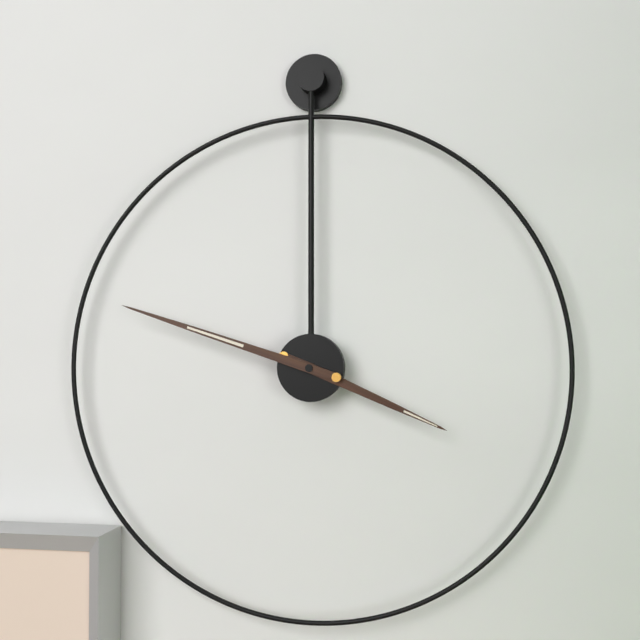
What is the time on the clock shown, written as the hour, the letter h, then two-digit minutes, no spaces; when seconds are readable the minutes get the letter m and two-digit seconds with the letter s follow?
3h48
